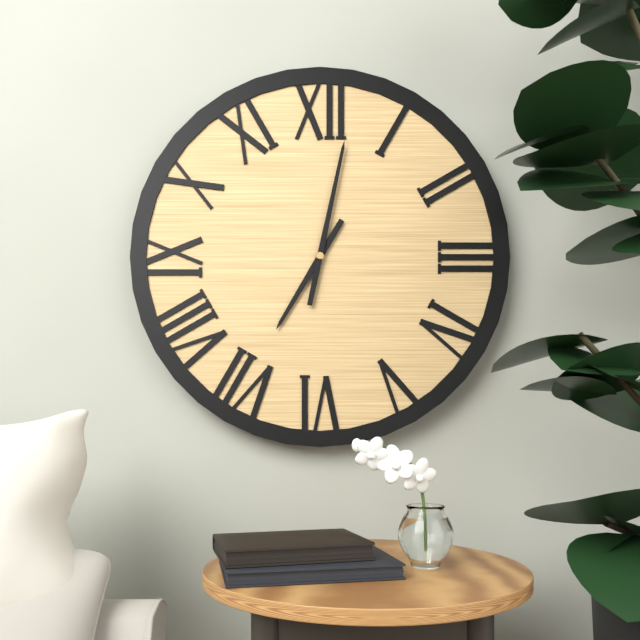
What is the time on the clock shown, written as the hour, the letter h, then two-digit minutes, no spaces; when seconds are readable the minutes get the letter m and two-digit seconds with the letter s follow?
7h02
